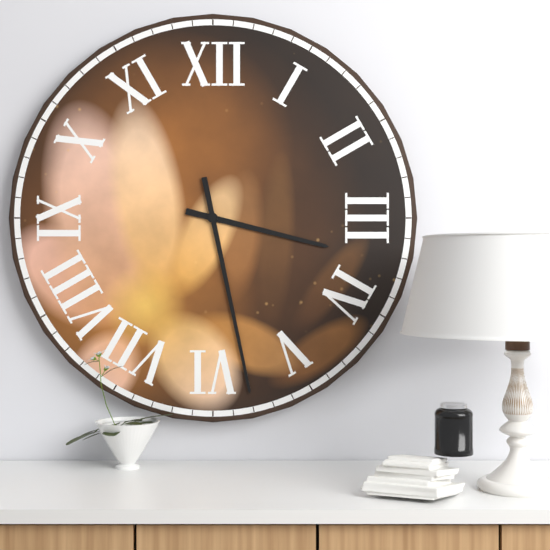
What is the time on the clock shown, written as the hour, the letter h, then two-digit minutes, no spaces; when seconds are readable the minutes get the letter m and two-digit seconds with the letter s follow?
3h28
